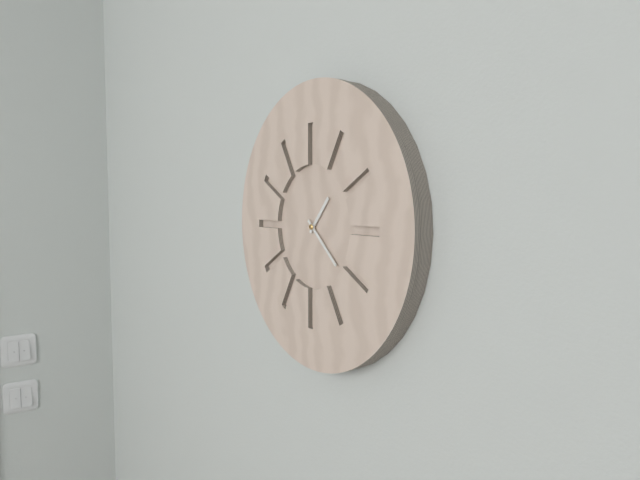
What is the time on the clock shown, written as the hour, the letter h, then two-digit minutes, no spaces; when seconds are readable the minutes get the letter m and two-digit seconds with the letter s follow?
1h22
